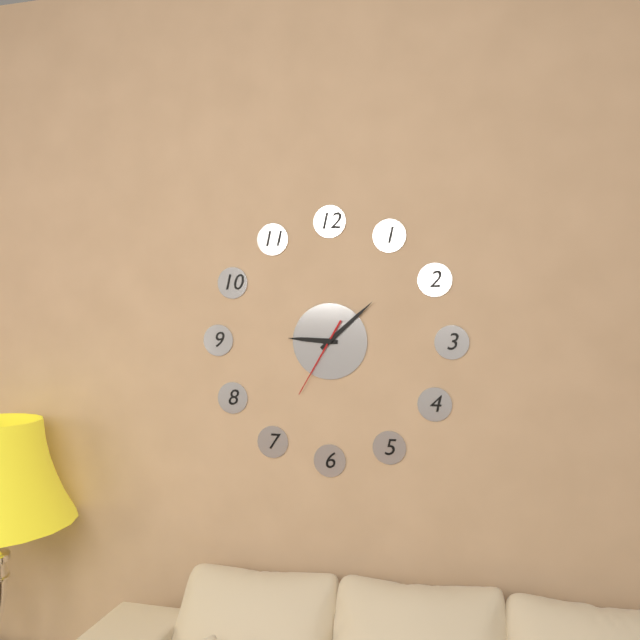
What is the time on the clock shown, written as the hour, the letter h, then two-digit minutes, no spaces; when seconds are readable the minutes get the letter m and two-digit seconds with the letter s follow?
9h08m35s
